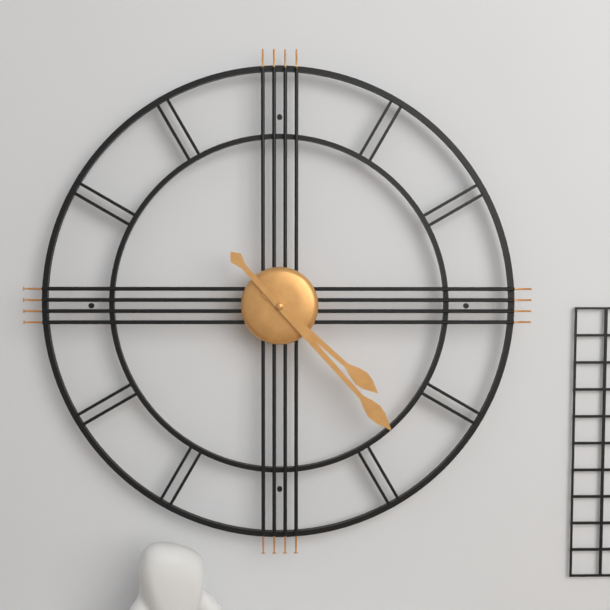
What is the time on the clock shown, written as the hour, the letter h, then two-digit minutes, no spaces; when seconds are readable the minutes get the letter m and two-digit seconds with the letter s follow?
4h23
